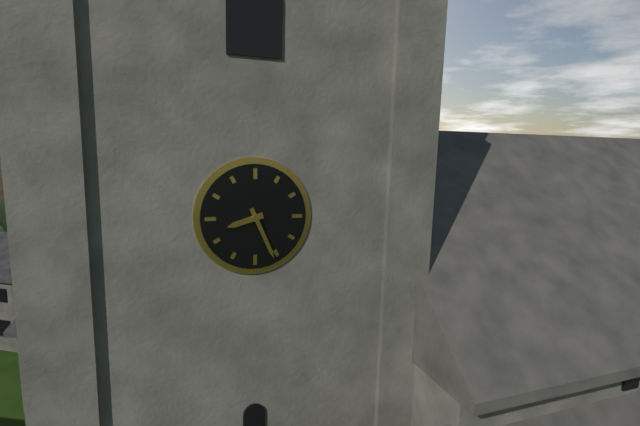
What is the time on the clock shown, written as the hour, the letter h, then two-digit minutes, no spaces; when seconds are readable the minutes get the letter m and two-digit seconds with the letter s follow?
8h26
